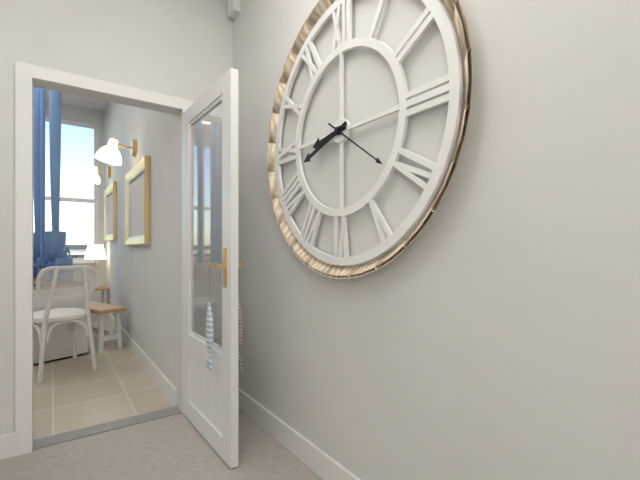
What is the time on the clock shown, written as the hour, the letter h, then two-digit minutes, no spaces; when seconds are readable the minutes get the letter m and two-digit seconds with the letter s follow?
8h42m21s
